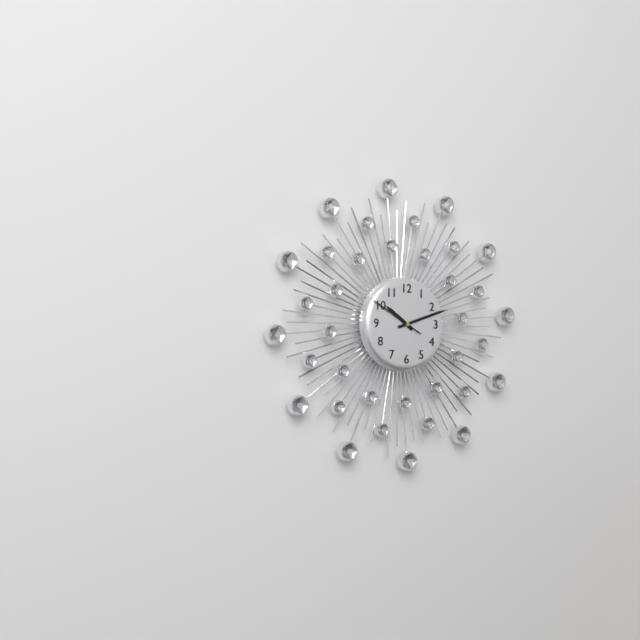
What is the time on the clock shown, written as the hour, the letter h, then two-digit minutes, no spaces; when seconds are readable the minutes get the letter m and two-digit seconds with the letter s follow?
10h12m50s
